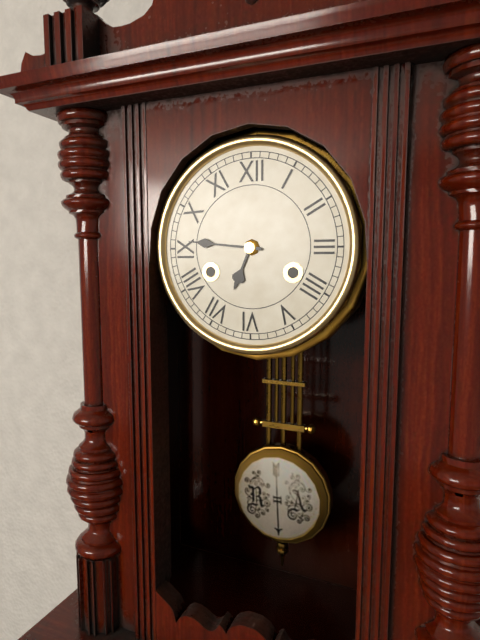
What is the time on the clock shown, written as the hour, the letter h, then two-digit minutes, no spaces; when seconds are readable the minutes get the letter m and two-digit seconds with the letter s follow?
6h46
